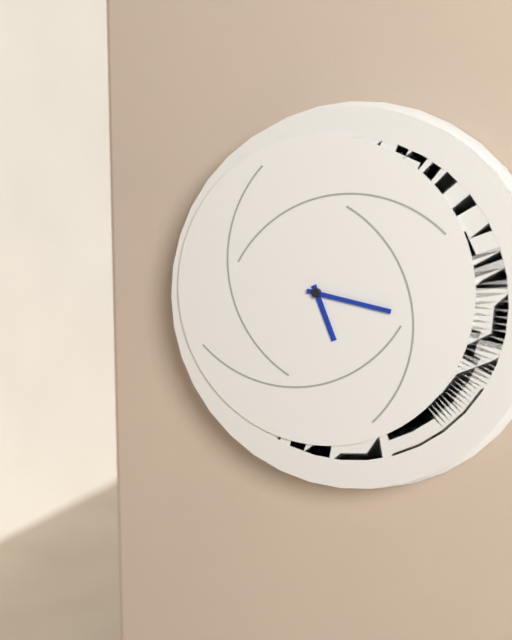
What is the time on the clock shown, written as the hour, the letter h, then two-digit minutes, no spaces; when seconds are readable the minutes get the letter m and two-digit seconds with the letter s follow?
5h17
